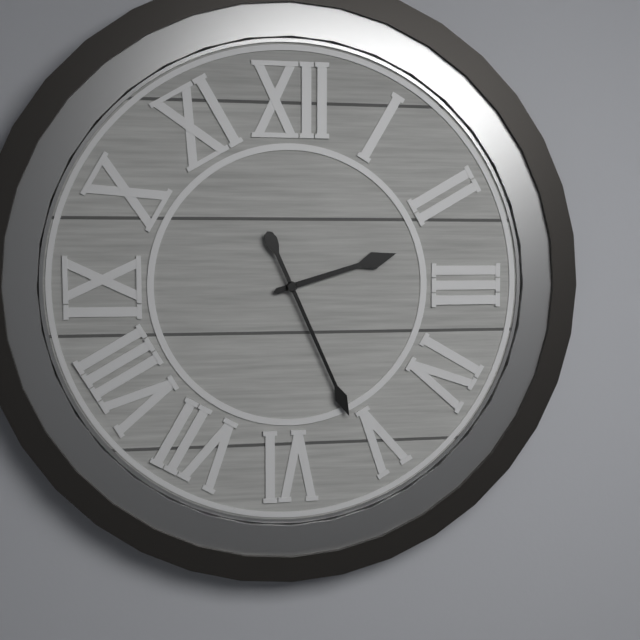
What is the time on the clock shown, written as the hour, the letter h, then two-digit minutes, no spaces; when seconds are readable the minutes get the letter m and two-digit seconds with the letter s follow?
2h26
